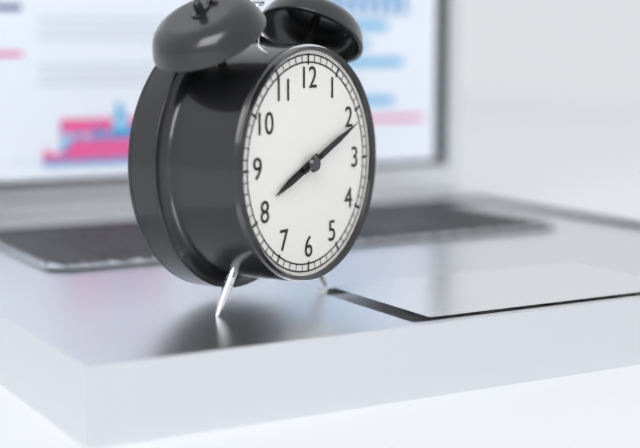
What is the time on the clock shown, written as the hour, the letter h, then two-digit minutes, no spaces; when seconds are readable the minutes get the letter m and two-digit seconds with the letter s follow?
8h11m41s
